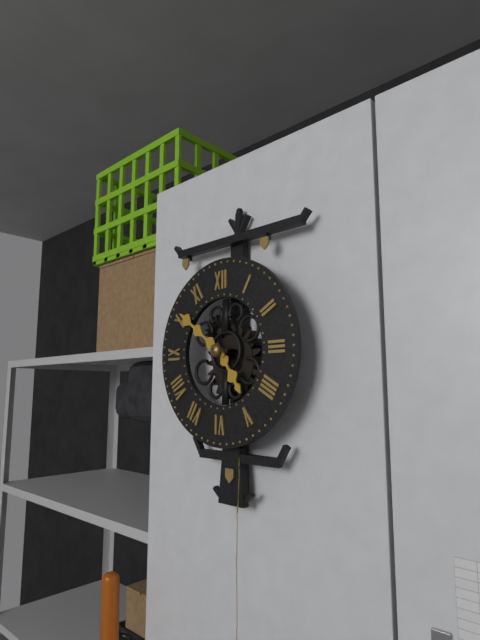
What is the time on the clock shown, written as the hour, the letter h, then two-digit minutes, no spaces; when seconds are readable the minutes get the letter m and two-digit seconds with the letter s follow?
4h51
